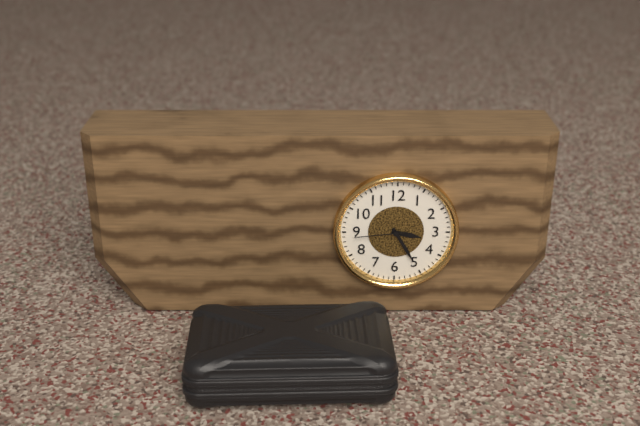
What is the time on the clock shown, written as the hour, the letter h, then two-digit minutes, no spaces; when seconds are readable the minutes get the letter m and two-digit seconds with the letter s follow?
3h25m44s
